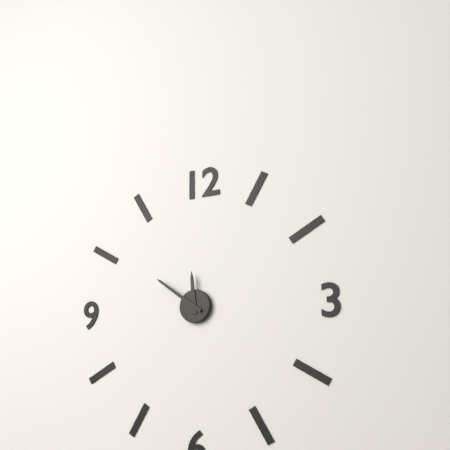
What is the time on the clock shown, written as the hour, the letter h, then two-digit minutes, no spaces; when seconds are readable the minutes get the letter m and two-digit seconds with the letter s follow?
11h51
